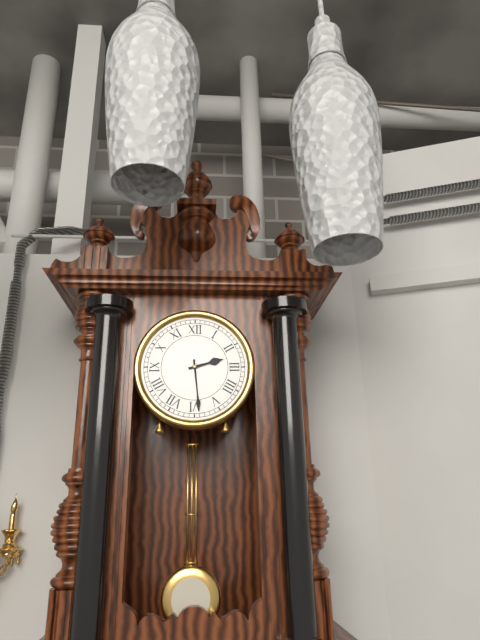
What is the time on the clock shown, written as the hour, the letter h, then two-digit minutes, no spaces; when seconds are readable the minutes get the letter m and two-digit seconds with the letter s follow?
2h29
